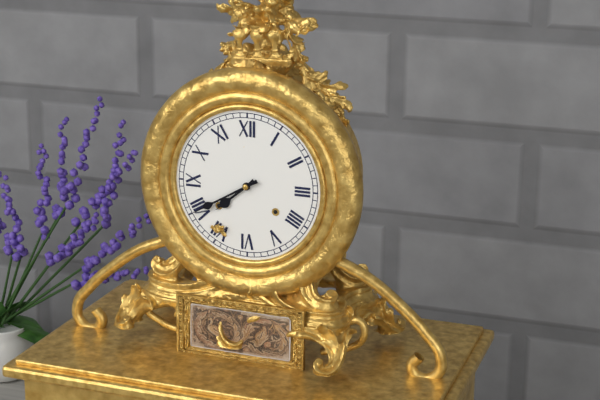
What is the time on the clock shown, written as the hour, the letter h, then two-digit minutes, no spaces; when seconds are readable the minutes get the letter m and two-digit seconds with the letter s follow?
7h40
